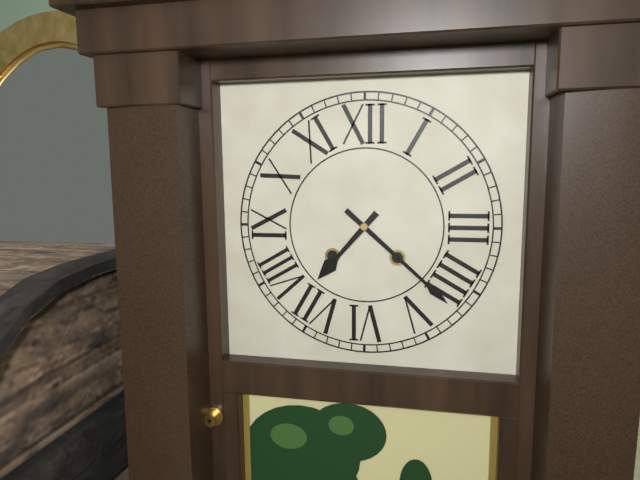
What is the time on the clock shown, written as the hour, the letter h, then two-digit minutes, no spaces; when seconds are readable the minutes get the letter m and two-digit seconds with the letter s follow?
7h22
